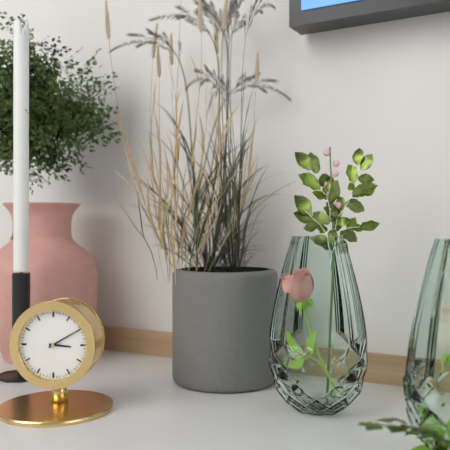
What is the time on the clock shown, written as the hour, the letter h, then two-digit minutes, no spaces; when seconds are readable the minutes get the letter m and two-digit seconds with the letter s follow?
3h10
